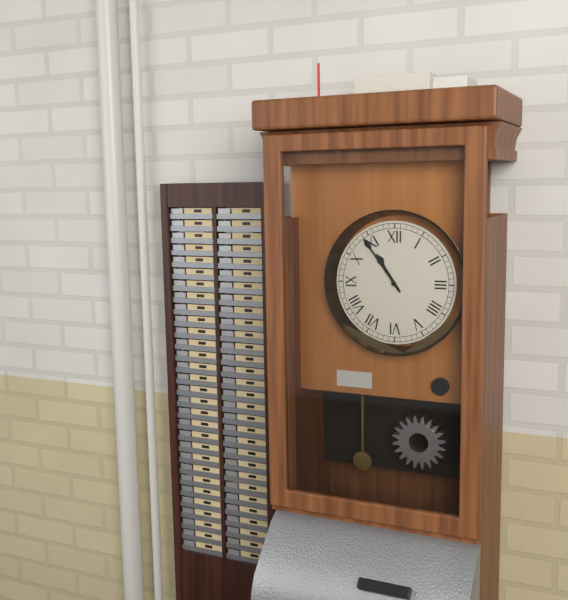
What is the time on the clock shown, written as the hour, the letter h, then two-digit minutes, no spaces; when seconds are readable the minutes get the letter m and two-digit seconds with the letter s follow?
10h54
